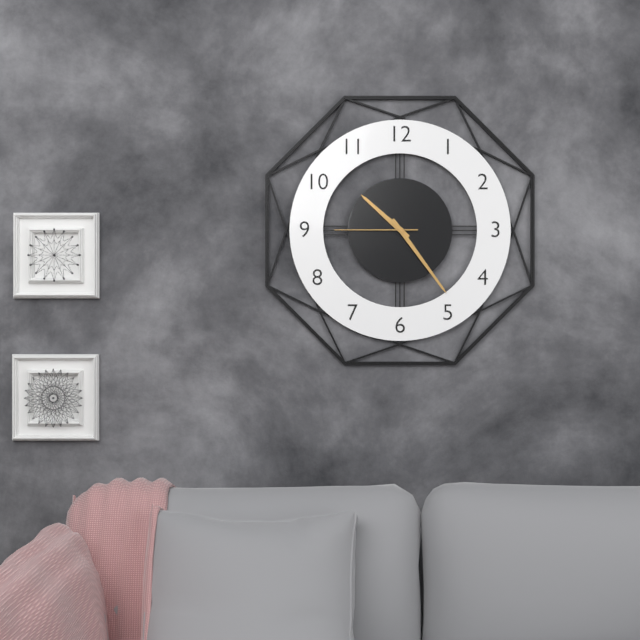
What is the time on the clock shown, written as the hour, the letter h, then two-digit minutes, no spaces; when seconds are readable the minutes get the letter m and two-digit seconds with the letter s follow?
10h24m45s
